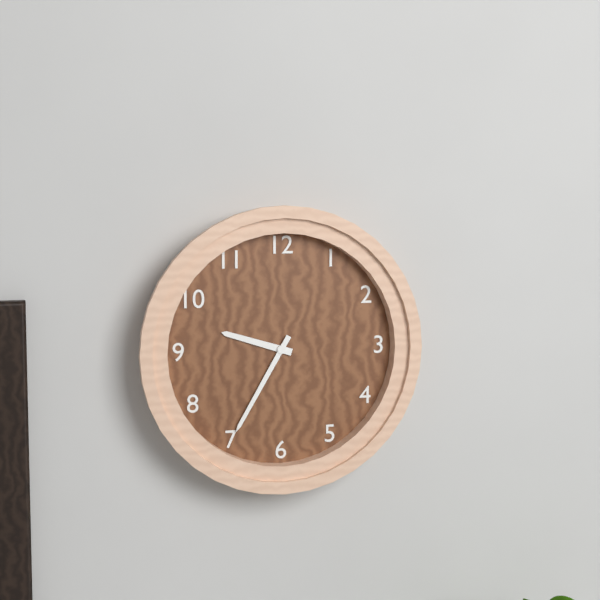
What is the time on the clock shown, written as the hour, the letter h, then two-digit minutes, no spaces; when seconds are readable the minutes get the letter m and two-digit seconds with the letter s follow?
9h35
